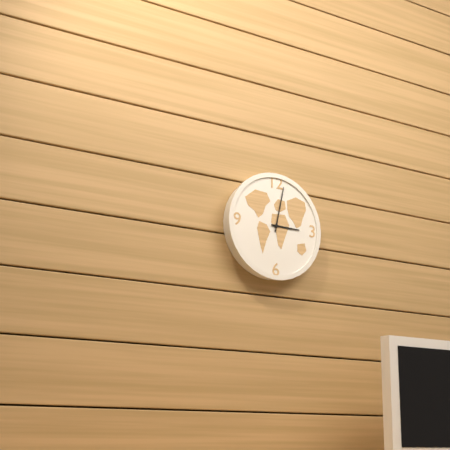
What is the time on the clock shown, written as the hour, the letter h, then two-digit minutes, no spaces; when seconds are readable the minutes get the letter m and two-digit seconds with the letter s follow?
3h02
